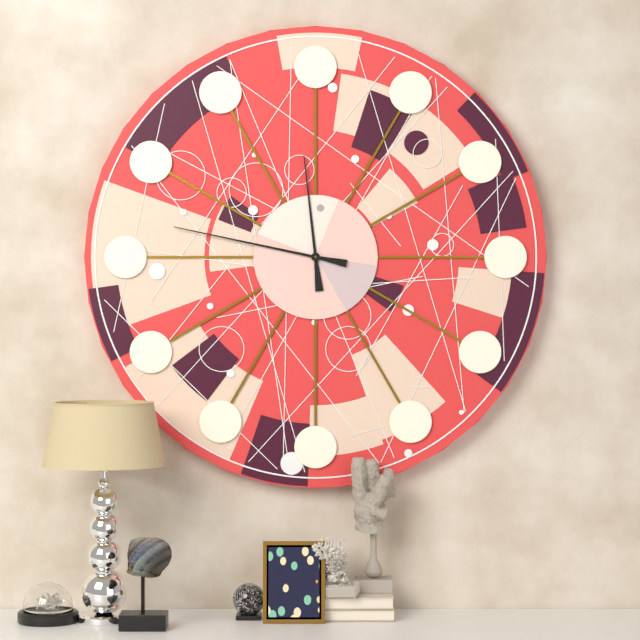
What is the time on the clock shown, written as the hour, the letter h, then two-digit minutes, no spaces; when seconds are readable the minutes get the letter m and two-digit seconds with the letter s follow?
11h47
